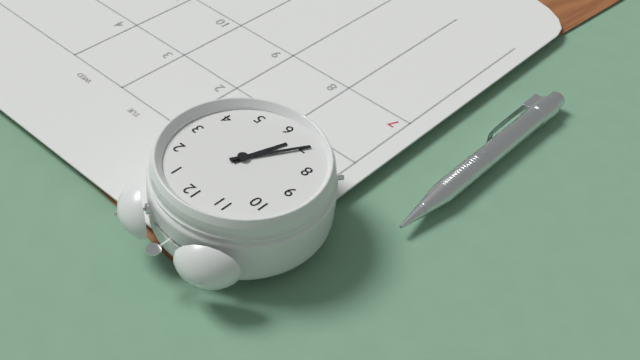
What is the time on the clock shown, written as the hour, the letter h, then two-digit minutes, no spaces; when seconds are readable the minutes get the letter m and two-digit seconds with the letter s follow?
6h35
